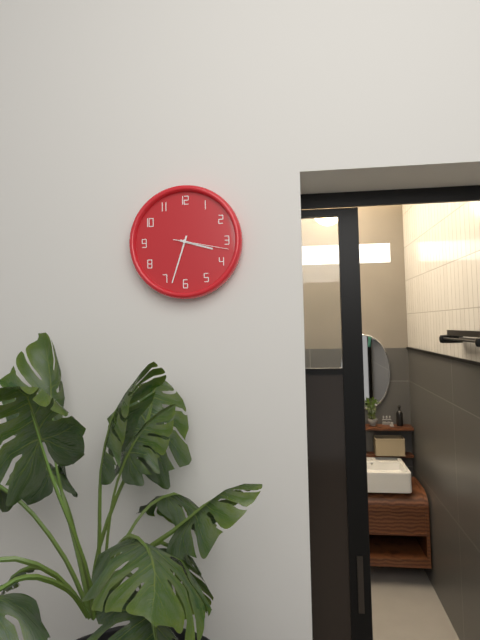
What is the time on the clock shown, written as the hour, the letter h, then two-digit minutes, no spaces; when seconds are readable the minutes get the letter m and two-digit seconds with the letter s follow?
3h33m17s
